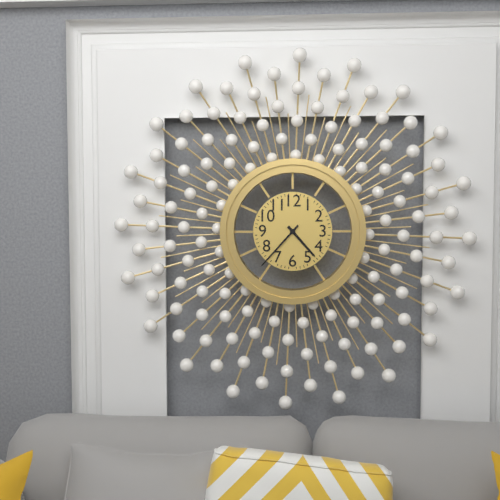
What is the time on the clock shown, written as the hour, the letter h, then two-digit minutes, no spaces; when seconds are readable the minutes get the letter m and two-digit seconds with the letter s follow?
4h37
